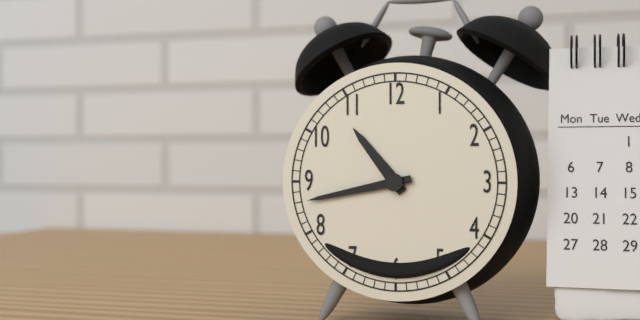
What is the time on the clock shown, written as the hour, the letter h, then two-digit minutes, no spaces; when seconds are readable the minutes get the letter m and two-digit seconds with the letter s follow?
10h43
